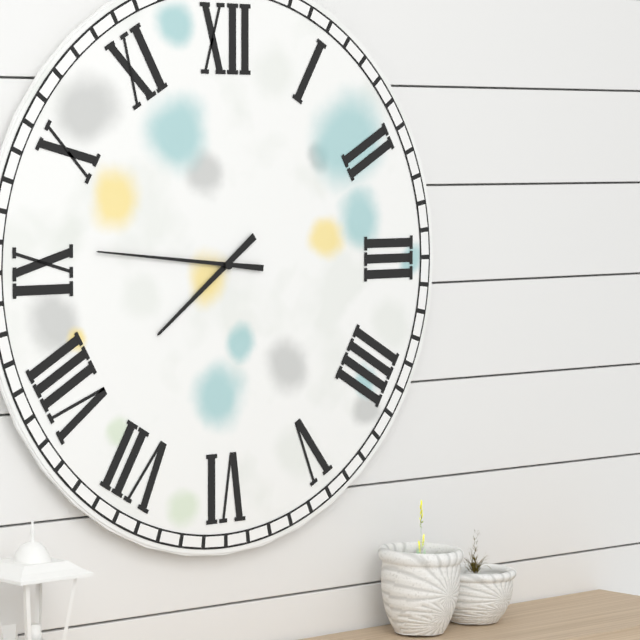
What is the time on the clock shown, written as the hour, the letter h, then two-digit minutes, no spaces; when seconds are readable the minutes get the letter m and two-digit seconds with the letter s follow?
7h46
